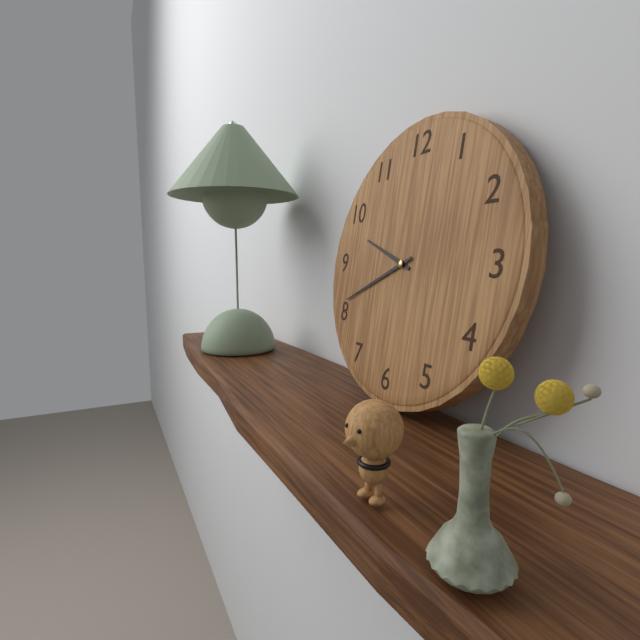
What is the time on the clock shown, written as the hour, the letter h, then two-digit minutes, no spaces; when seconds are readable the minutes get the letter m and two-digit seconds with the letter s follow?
9h41
